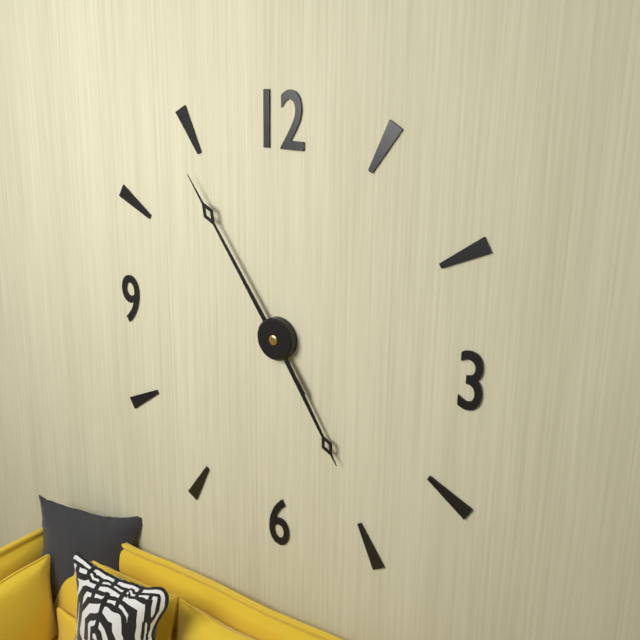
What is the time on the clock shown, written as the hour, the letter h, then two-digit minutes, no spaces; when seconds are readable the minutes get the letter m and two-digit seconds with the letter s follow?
4h54
